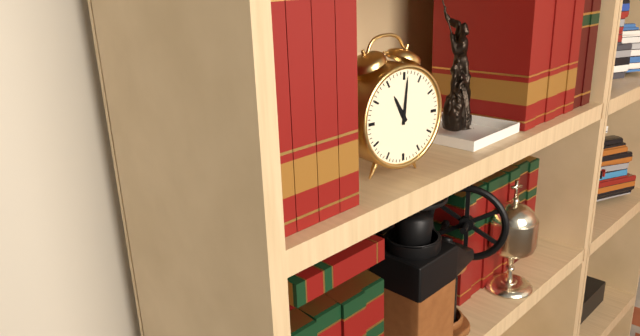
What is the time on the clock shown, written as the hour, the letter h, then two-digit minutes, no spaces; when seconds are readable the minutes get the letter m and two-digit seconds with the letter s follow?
11h01
